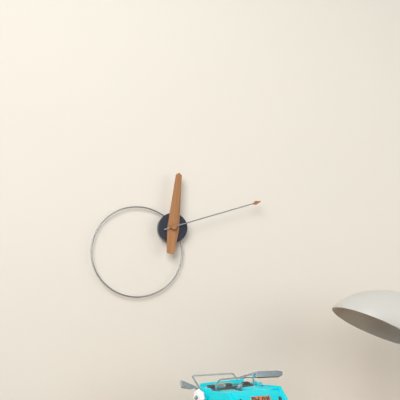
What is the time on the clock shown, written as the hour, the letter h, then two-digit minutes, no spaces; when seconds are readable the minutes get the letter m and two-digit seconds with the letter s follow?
12h12
